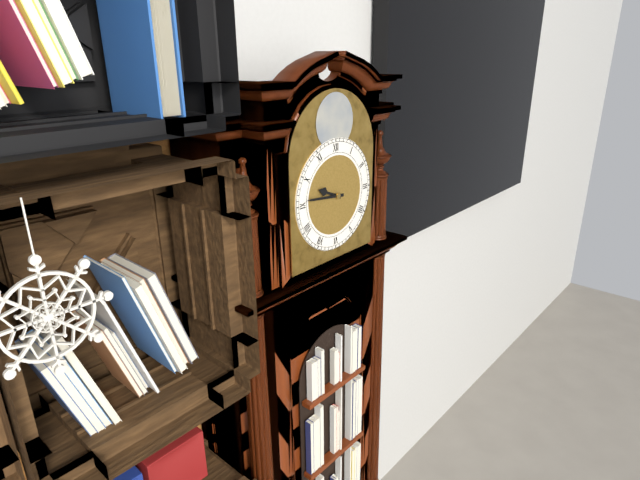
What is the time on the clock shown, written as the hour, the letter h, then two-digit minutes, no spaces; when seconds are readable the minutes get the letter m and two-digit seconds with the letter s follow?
9h46
